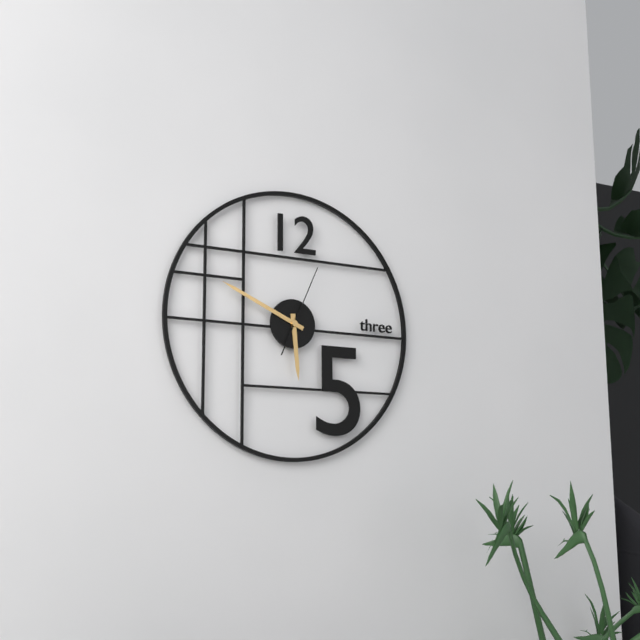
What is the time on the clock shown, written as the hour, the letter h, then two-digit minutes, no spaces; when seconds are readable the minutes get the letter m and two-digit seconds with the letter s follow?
5h49m04s
